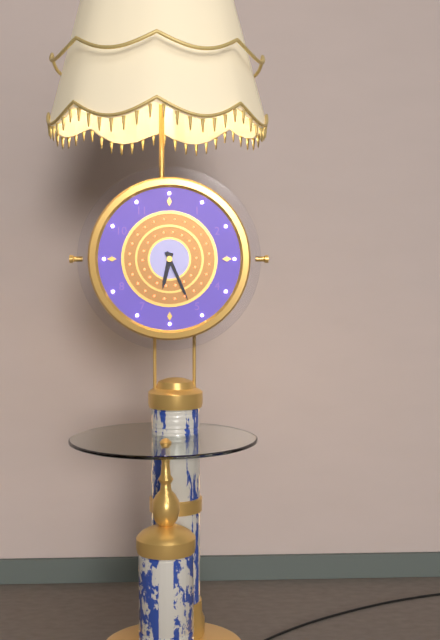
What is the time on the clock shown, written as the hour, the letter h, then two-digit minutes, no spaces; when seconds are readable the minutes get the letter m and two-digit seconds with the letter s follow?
6h26
